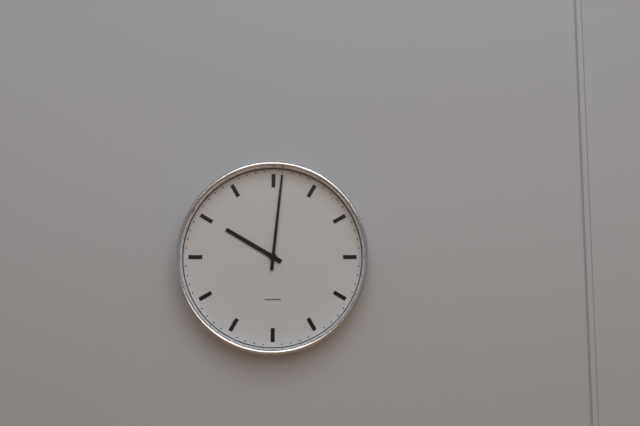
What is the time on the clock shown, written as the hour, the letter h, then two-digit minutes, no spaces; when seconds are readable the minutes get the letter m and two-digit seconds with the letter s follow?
10h01
